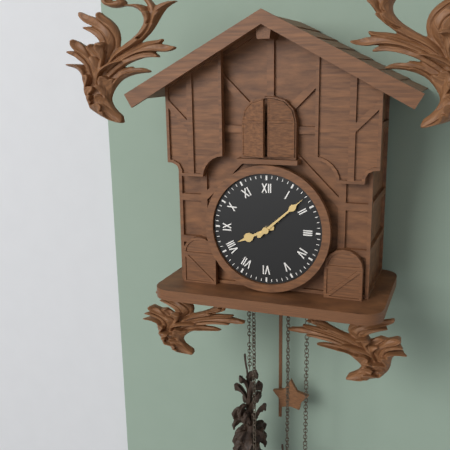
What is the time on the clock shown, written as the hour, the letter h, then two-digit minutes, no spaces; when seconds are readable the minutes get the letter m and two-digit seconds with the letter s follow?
8h08
